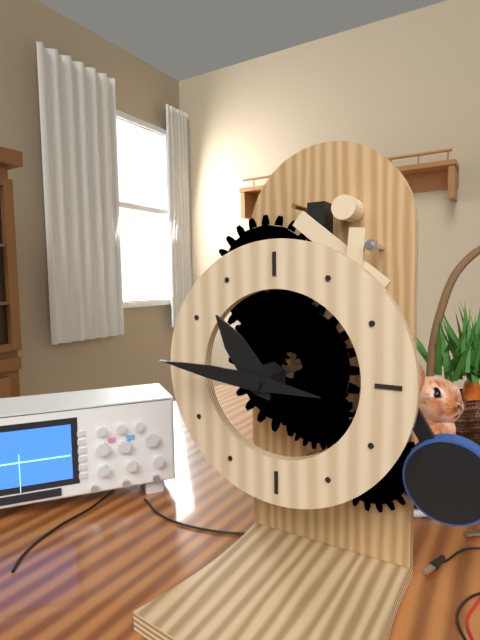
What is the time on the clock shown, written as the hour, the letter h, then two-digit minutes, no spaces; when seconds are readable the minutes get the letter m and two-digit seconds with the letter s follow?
10h46
